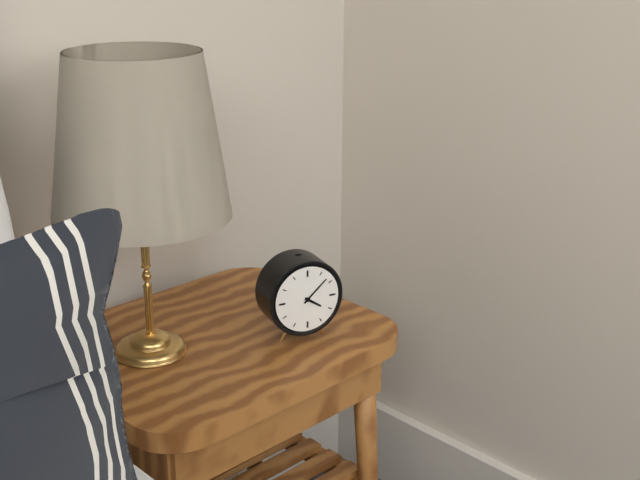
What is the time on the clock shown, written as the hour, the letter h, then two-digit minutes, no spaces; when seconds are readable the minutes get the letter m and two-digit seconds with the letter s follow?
4h08
